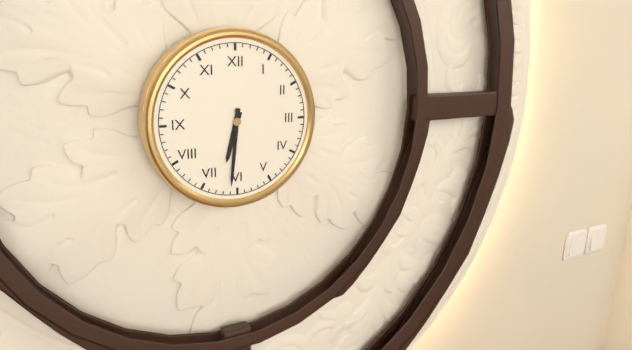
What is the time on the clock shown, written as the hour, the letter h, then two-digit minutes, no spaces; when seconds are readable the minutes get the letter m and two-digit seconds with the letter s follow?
6h31
